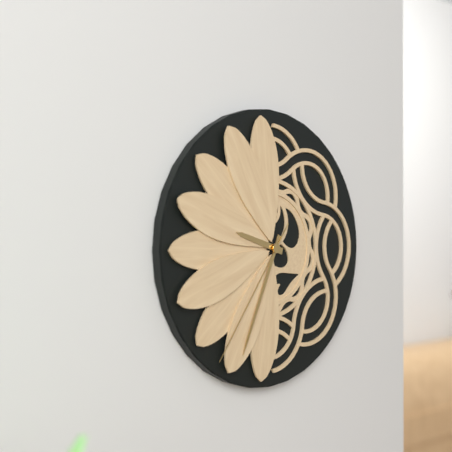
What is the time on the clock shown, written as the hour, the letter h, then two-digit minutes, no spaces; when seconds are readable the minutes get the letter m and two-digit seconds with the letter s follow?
9h34m36s
